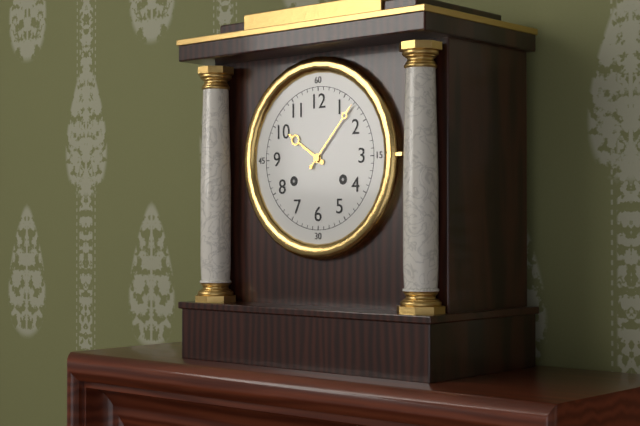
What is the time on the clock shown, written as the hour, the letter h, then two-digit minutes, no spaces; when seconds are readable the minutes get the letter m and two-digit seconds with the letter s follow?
10h07
